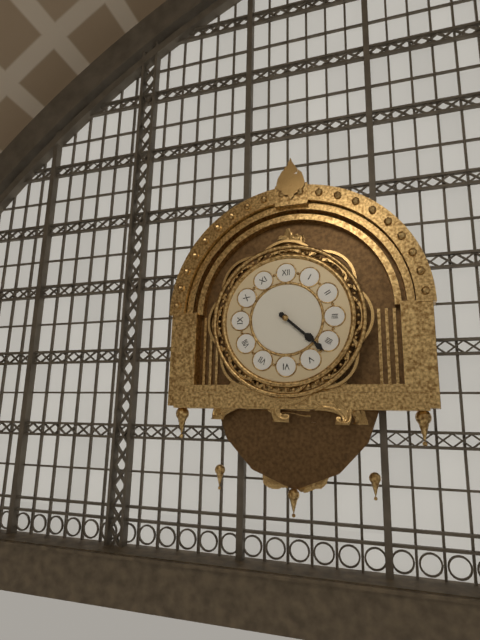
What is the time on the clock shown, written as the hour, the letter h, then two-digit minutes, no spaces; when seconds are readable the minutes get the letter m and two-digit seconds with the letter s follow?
4h22
